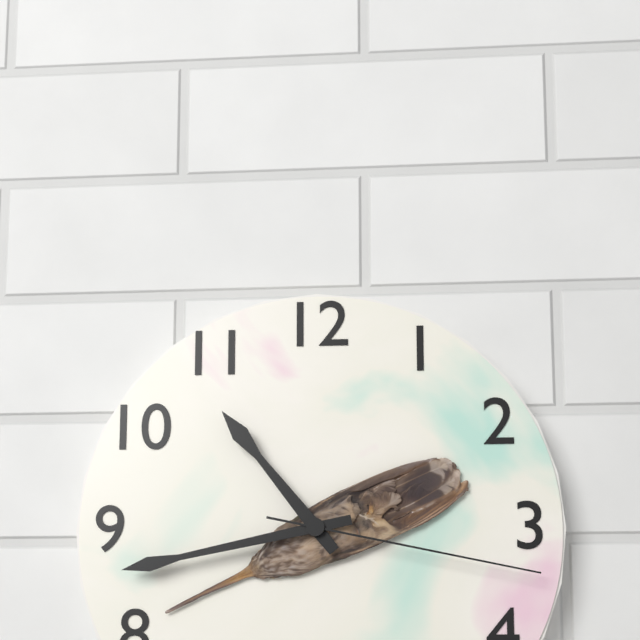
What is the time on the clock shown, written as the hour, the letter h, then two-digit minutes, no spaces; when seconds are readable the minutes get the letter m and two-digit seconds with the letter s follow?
10h43m17s
